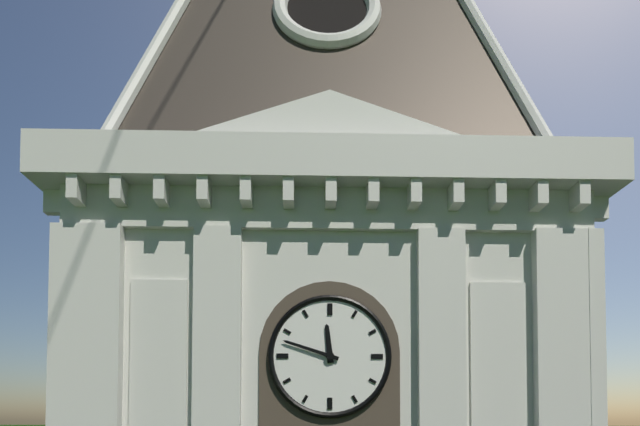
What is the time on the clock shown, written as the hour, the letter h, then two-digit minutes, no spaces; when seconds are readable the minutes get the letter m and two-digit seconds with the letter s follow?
11h48
